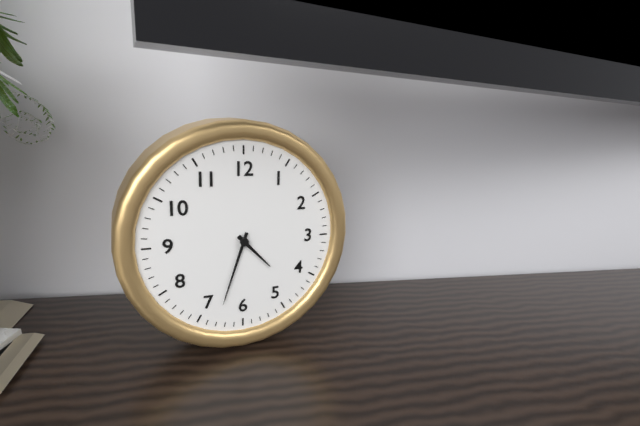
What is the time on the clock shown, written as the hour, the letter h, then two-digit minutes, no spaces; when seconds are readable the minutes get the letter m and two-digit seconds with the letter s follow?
4h33
